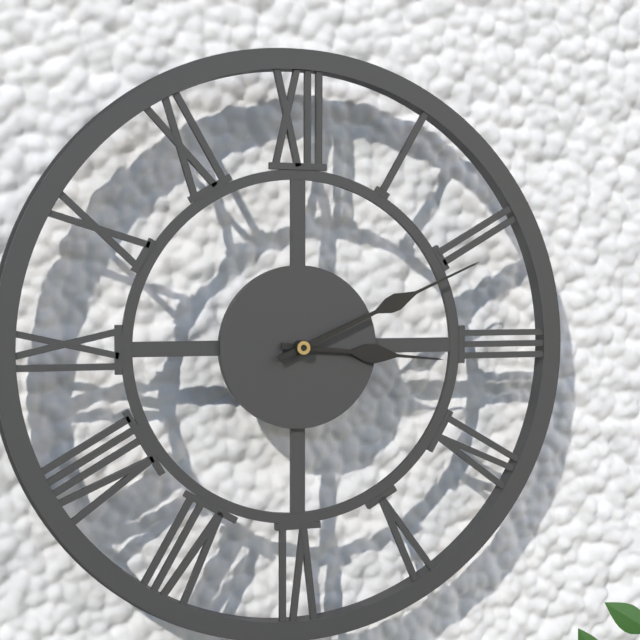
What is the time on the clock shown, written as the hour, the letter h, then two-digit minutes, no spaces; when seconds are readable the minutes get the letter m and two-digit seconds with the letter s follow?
3h11
